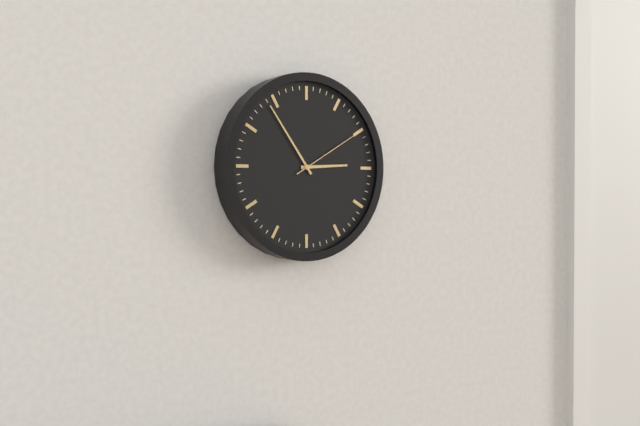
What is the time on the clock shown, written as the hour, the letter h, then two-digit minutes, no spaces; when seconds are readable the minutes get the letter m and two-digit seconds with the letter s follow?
2h54m10s
